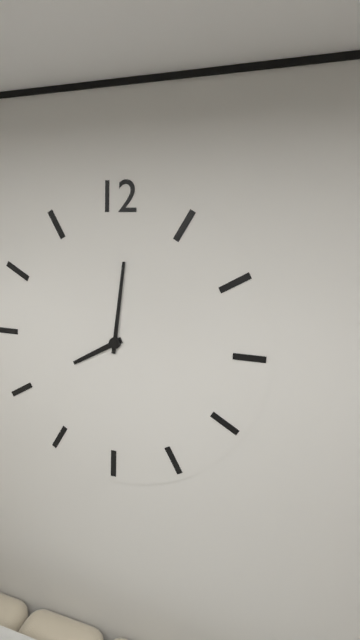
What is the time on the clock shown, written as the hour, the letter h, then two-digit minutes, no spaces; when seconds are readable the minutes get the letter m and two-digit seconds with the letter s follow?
8h01
